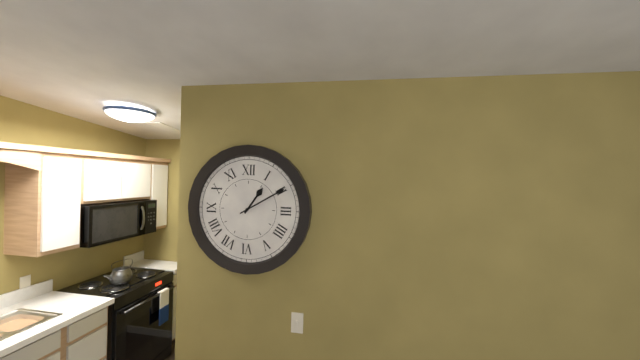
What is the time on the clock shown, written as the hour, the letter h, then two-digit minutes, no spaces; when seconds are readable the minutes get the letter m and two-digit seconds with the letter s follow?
1h10
